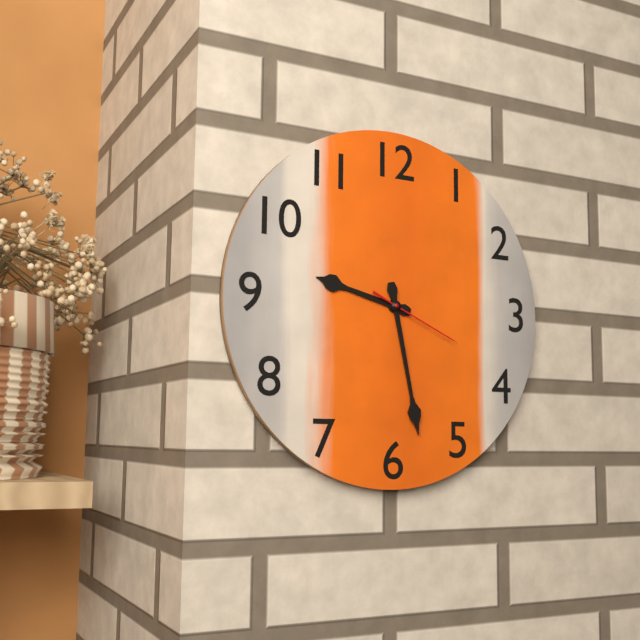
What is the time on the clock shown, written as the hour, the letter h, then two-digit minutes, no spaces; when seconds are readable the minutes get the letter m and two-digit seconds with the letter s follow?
9h28m19s
